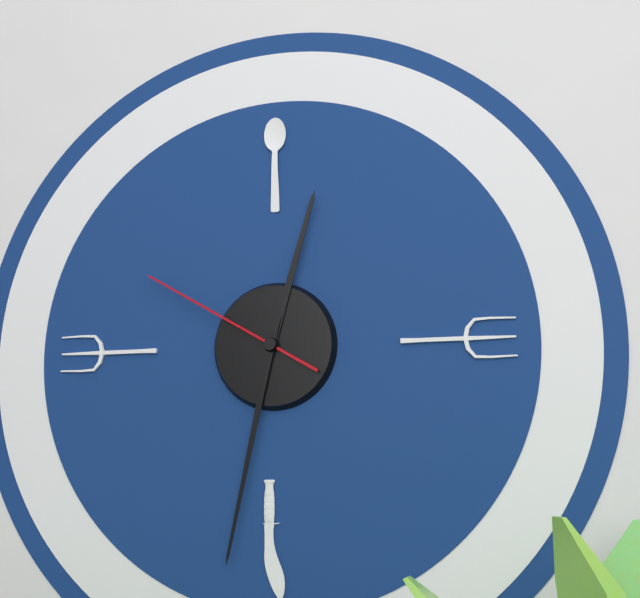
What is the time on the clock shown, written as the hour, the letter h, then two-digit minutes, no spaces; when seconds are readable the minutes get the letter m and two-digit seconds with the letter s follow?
12h32m50s
